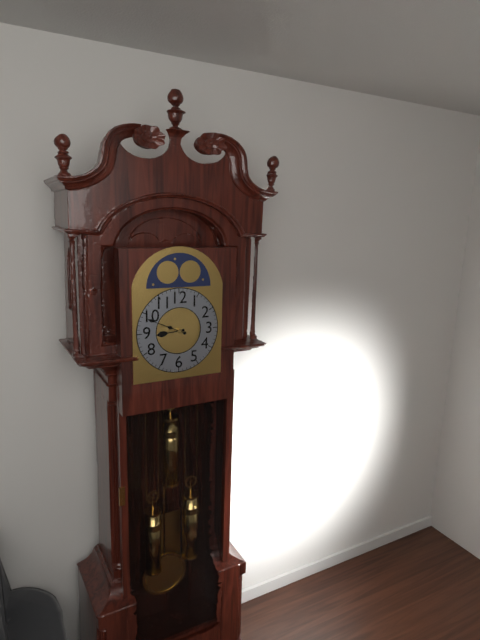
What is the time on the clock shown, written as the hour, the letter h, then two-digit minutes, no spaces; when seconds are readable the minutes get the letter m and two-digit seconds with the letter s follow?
8h49
